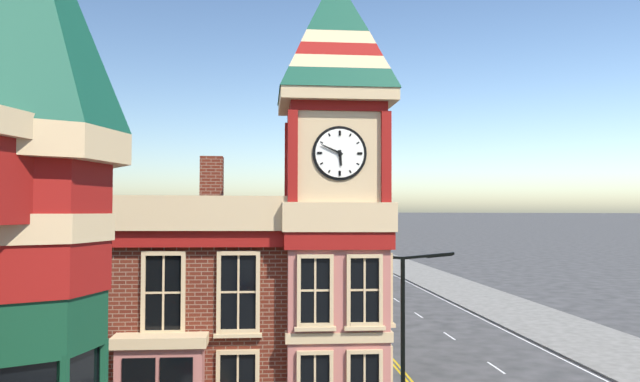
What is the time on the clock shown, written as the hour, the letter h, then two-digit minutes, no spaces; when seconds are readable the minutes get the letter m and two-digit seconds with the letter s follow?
5h49
